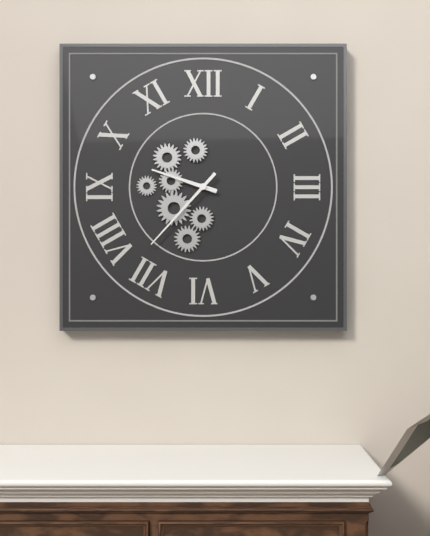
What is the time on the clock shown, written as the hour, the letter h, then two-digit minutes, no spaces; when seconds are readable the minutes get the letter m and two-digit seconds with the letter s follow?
9h37
